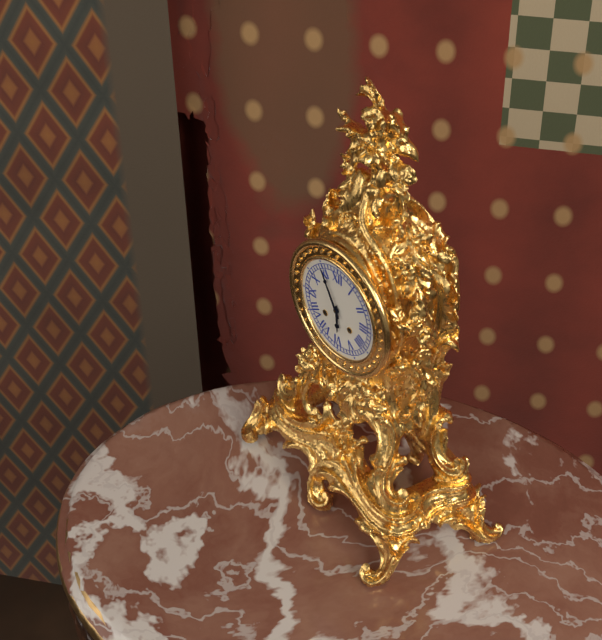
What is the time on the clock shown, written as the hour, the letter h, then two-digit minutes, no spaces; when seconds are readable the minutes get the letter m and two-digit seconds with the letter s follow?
5h55
